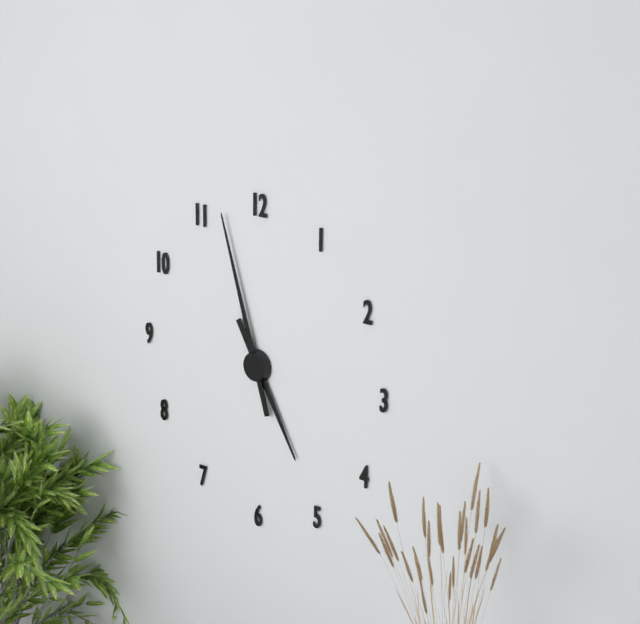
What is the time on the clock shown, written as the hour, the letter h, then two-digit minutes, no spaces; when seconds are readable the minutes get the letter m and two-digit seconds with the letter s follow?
4h57
